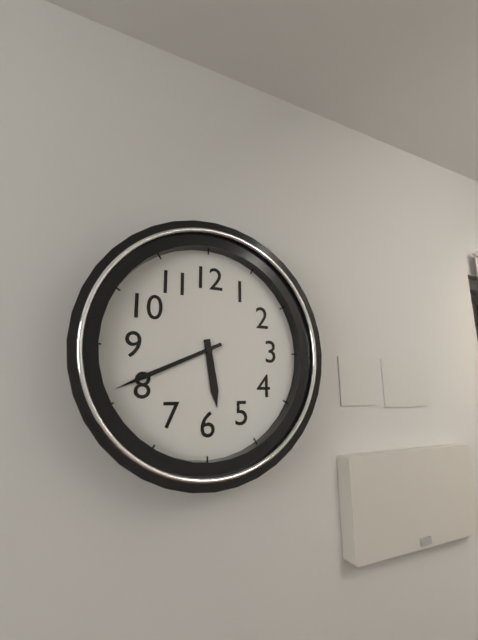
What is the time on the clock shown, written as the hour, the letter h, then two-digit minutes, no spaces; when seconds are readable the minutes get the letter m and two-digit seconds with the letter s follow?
5h41
